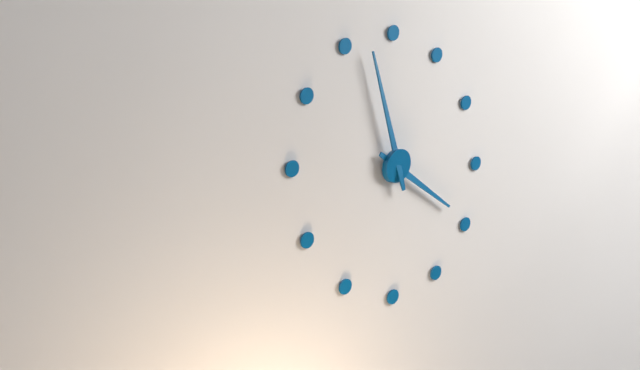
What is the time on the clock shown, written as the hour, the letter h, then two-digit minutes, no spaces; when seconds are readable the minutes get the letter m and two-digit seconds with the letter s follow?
3h57
